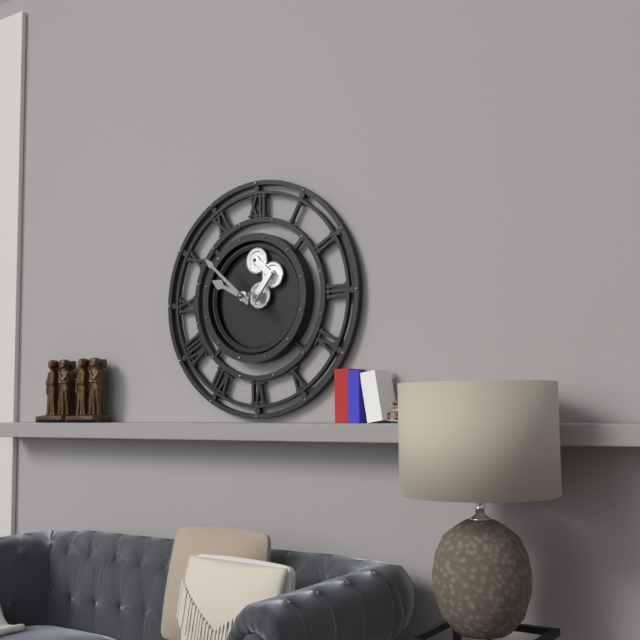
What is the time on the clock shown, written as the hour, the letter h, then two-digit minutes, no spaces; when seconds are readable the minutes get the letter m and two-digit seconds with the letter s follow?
9h52
